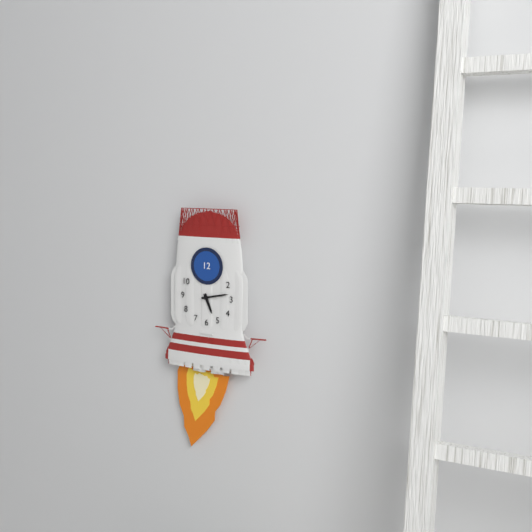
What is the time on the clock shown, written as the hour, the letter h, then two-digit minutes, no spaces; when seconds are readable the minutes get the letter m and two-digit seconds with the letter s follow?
5h13
